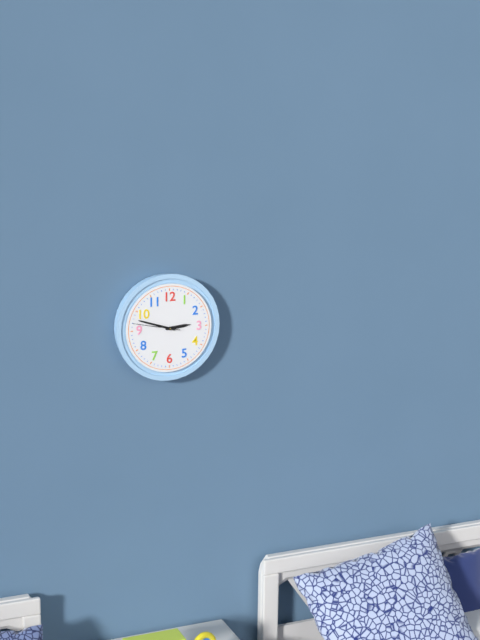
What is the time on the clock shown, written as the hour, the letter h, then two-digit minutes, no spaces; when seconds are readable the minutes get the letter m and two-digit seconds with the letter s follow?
2h48
